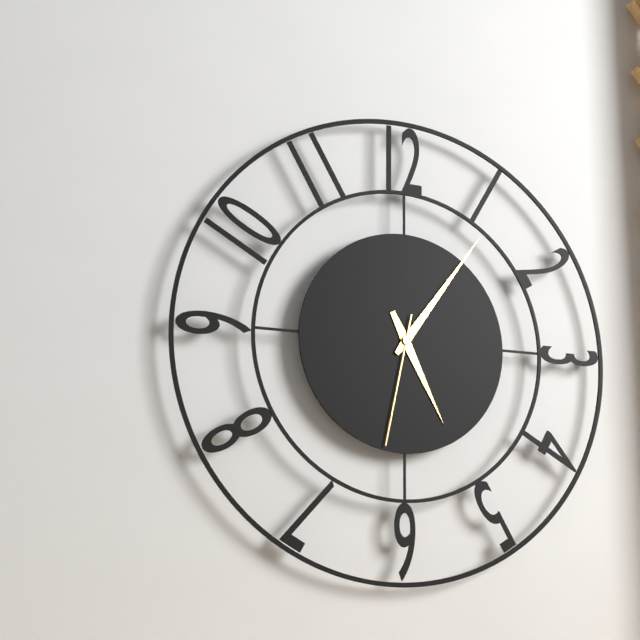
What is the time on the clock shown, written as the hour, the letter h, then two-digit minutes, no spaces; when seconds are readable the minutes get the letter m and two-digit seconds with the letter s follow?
5h06m32s
